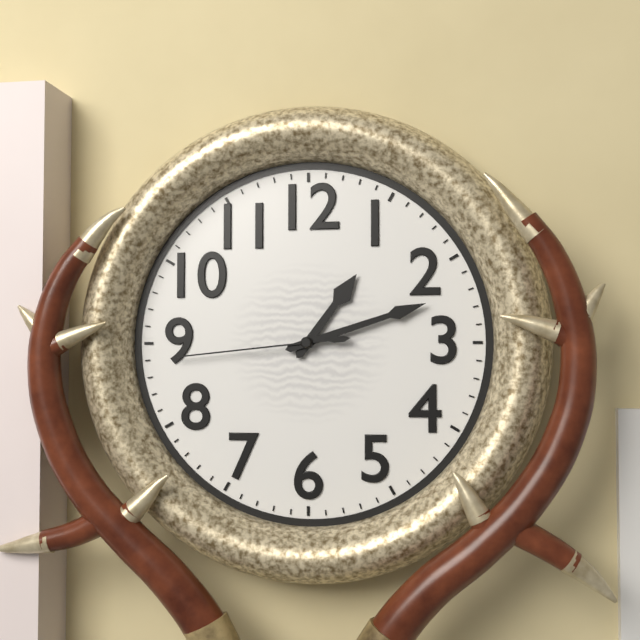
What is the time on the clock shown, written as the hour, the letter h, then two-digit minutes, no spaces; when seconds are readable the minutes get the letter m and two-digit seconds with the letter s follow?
1h12m44s
